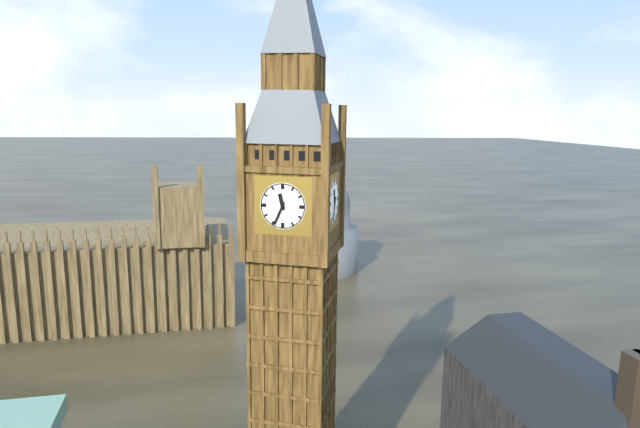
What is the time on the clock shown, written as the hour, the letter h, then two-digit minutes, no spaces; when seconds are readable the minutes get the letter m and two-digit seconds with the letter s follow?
11h34
